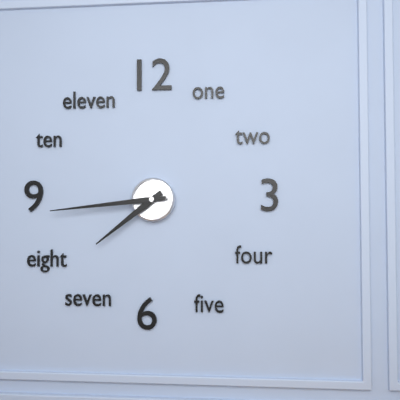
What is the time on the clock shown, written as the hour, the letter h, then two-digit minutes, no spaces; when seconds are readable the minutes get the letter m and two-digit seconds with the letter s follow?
7h44
